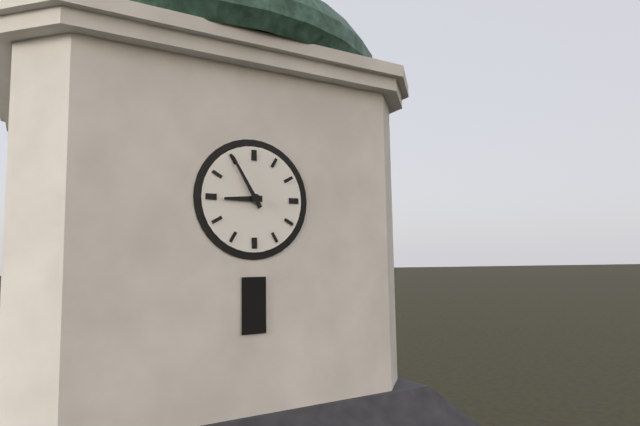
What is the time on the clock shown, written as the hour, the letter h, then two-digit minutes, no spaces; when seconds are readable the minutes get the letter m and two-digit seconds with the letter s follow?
8h55
